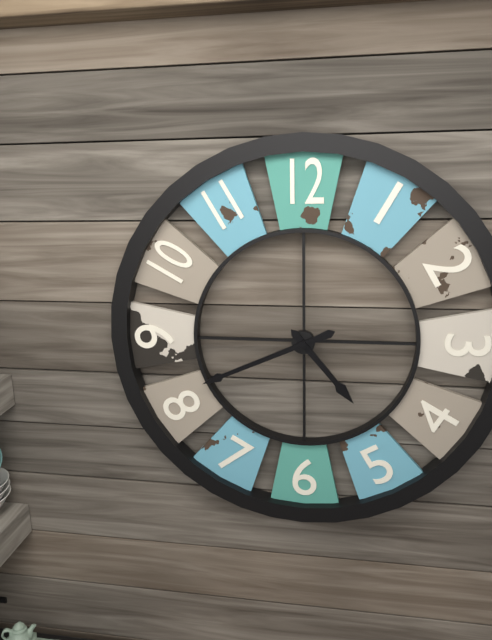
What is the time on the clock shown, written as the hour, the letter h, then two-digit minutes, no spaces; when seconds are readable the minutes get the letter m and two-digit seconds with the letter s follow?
4h41
